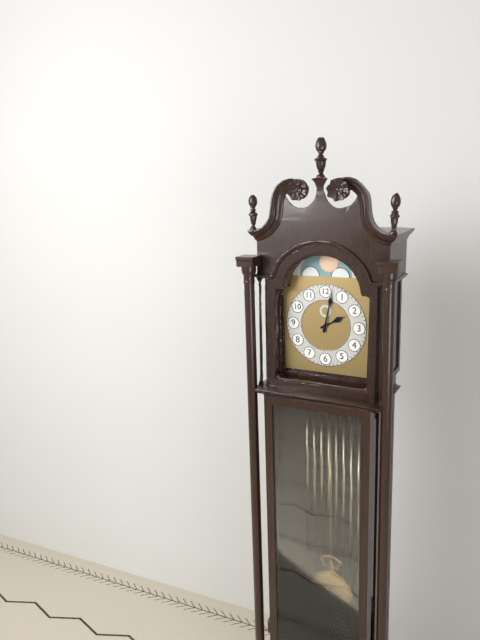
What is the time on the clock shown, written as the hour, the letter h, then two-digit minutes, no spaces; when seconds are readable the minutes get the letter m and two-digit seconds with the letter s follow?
2h02
